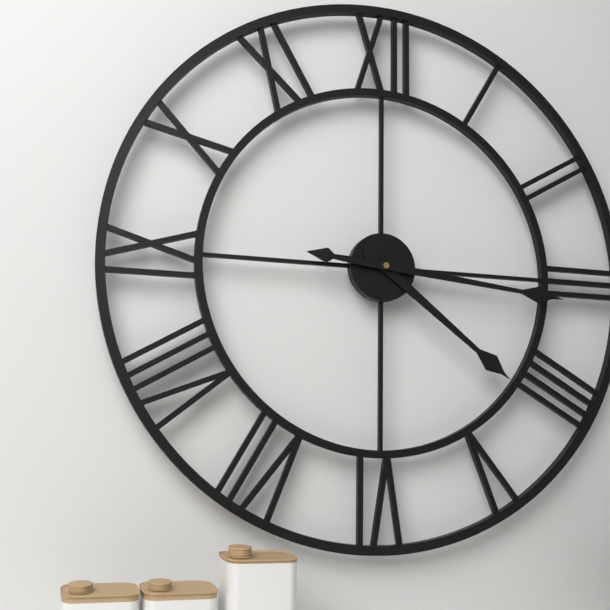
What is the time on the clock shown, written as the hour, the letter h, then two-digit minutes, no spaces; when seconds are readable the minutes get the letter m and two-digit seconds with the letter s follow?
4h16
